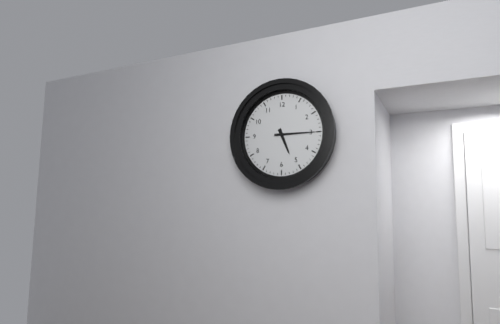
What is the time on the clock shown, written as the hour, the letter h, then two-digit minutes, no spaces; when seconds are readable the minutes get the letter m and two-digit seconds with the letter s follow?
5h15
